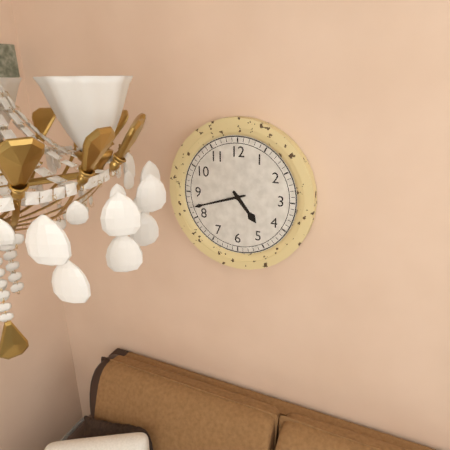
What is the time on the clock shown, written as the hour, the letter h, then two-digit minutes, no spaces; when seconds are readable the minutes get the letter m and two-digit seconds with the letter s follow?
4h42
